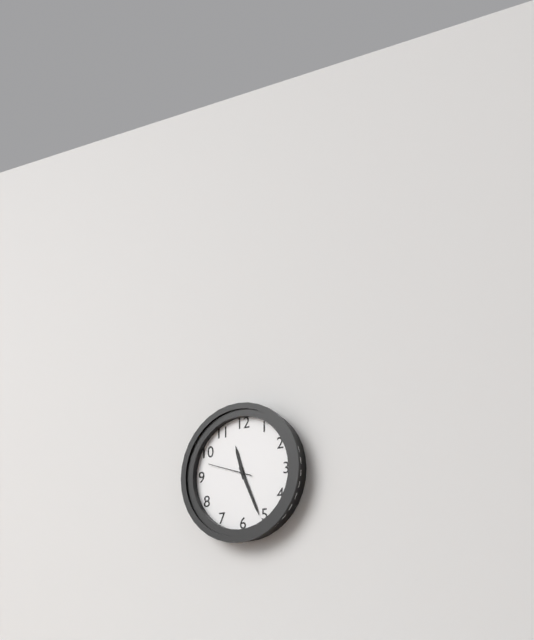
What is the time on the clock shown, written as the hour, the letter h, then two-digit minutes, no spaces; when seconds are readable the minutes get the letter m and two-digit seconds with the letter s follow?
11h26
